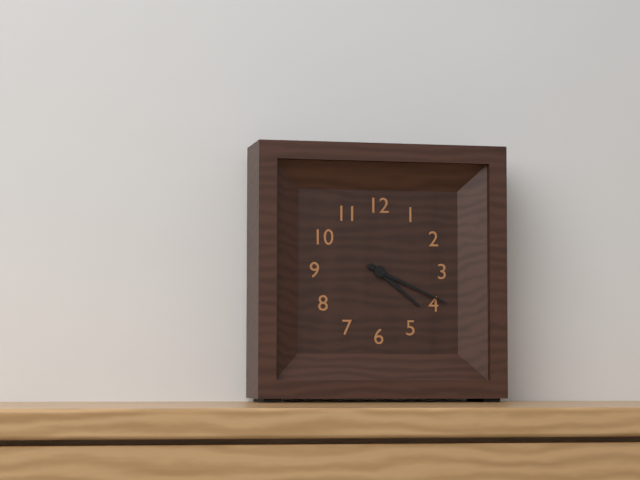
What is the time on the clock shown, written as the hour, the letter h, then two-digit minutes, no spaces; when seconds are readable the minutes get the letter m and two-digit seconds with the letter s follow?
4h19
